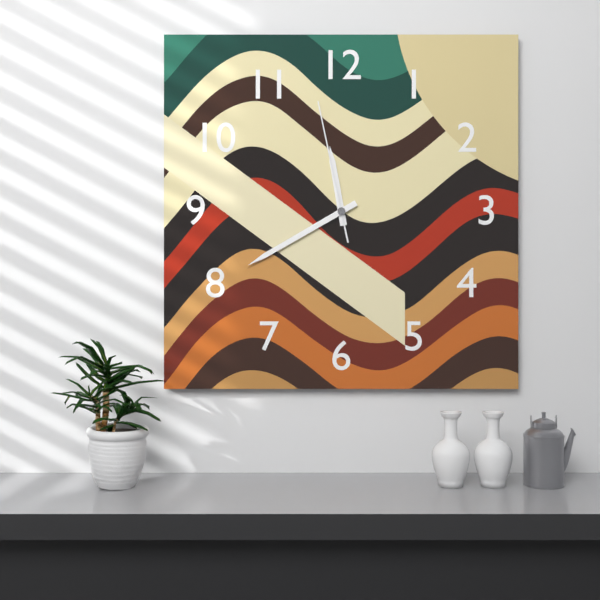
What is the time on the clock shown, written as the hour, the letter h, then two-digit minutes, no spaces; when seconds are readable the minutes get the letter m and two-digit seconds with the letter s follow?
11h40m58s
